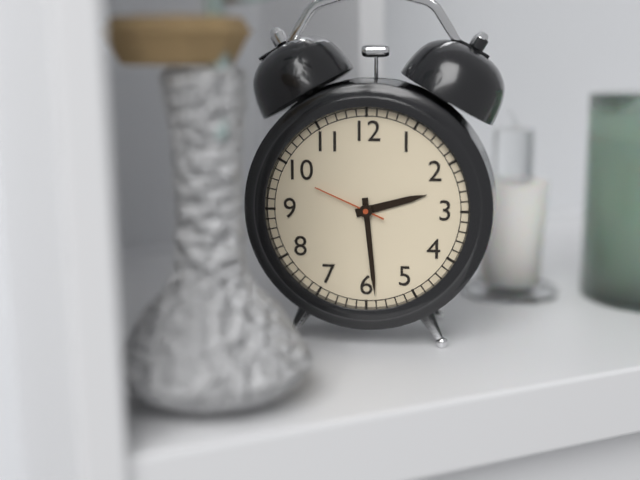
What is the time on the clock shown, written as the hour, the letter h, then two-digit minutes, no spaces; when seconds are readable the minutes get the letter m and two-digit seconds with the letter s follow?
2h29m49s
